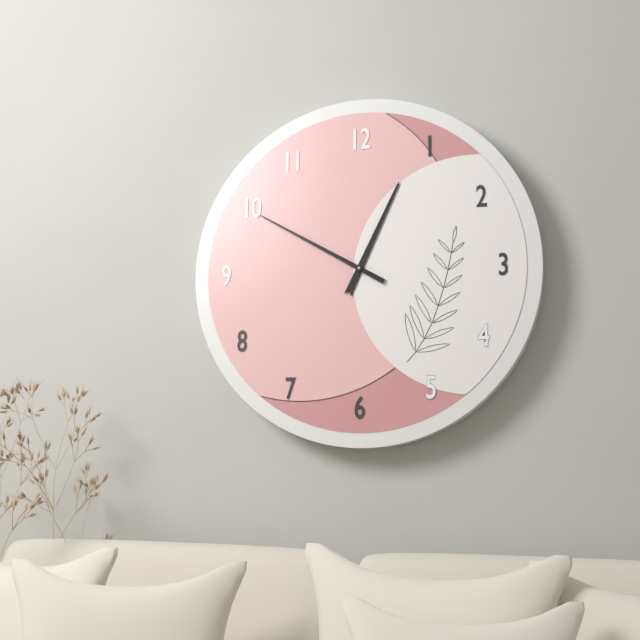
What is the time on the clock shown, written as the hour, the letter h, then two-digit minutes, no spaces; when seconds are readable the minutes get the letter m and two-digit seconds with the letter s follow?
12h50
